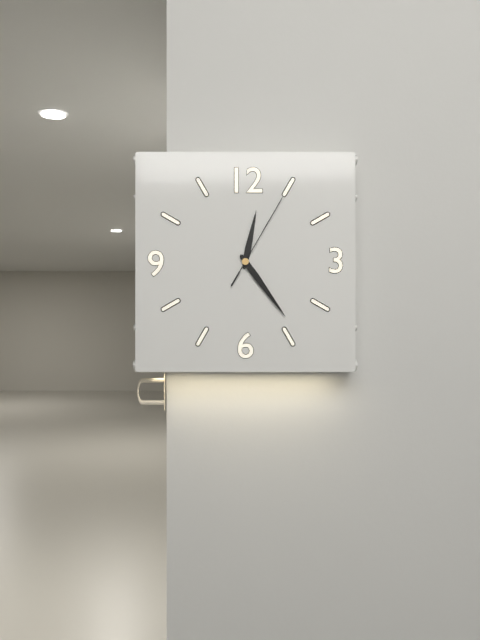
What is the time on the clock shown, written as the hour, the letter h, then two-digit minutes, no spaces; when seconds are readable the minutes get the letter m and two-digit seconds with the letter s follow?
12h24m05s
